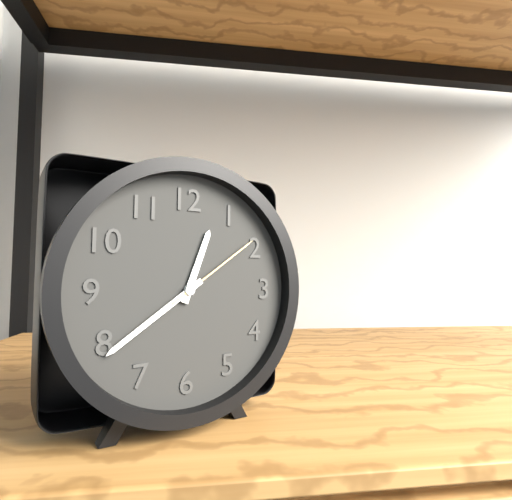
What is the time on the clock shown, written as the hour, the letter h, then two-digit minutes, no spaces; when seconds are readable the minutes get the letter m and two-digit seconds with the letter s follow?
12h39m09s
